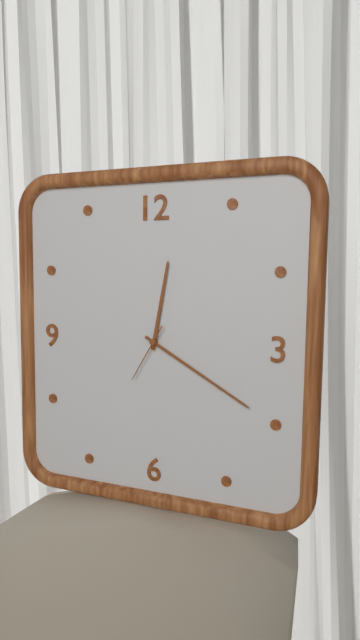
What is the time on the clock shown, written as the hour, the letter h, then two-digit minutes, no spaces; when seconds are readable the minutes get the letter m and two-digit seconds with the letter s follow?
12h20m35s
